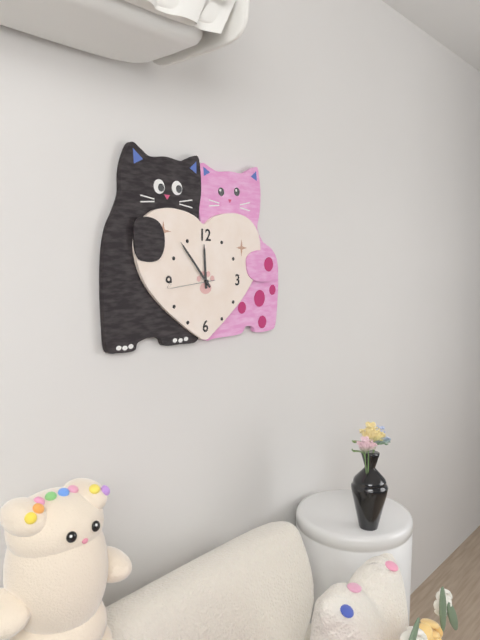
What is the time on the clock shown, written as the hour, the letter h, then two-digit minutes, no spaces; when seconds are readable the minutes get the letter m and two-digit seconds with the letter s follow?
11h53
